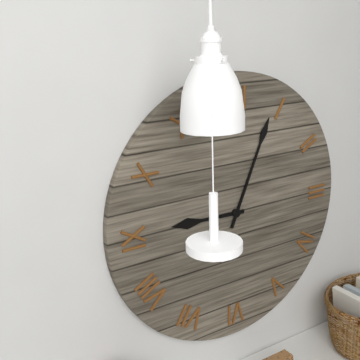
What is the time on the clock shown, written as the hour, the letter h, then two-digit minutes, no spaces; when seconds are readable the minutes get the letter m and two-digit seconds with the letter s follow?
9h04
